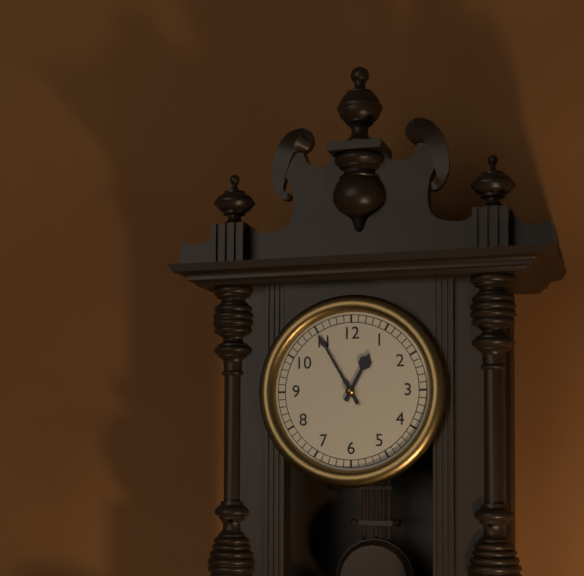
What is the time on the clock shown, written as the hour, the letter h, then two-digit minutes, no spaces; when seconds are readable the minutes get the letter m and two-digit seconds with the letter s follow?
12h55
